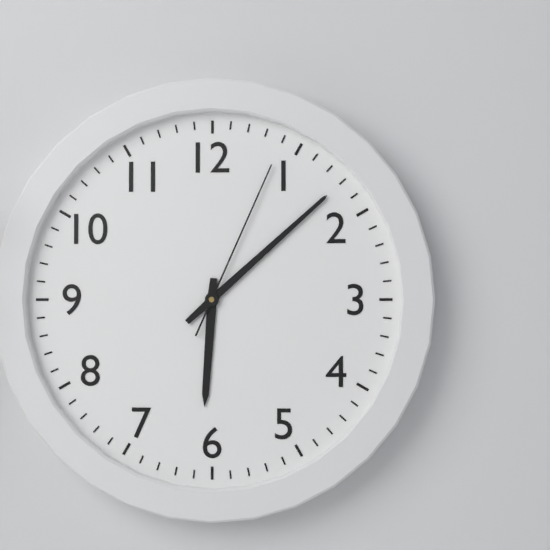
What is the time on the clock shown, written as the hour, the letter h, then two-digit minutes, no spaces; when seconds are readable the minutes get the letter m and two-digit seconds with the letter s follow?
6h08m04s
